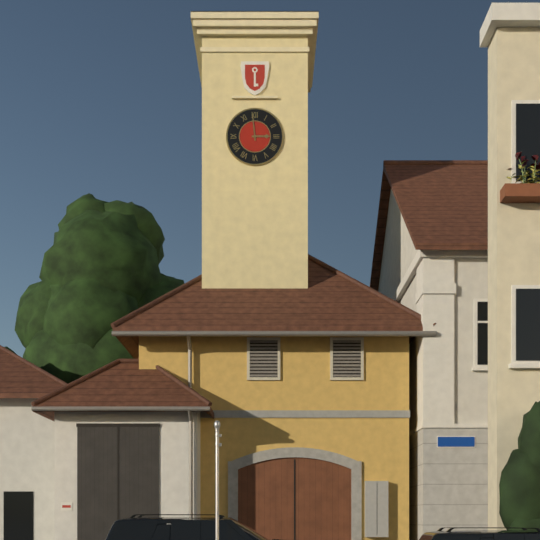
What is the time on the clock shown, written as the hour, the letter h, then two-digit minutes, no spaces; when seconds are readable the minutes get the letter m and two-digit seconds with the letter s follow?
2h59
